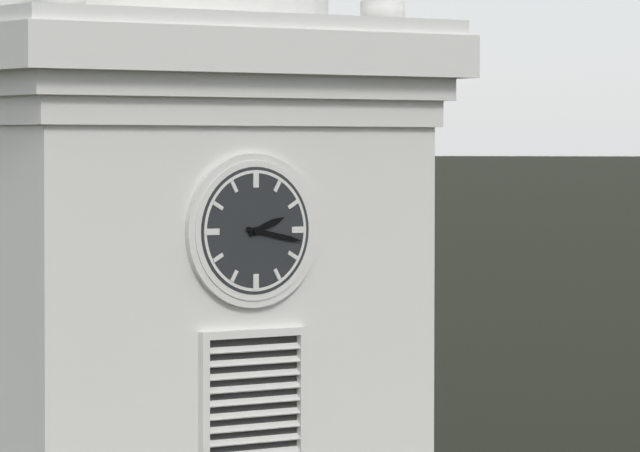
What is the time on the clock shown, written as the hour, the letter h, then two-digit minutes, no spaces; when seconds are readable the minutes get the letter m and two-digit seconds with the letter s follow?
2h17
